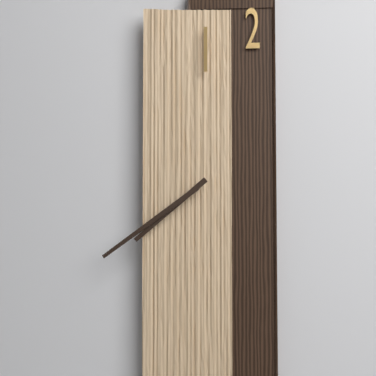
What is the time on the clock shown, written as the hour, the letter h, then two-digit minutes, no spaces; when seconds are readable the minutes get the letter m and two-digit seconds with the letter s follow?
7h39
